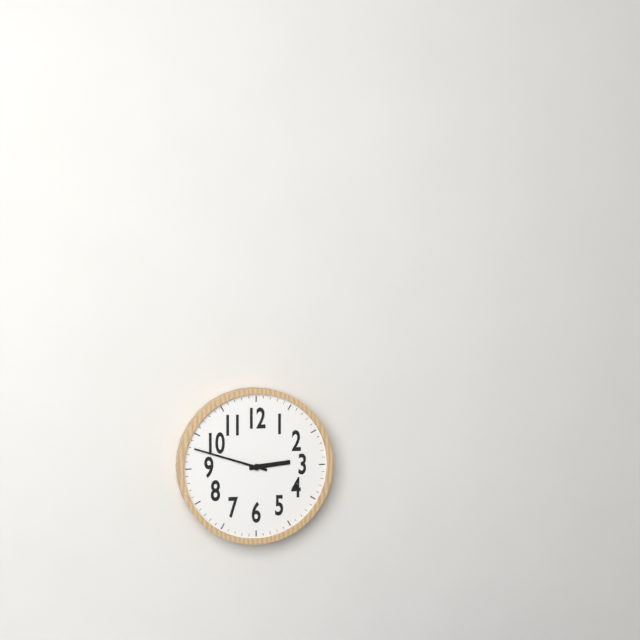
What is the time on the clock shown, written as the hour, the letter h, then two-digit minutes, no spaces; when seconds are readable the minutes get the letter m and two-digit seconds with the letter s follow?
2h48
